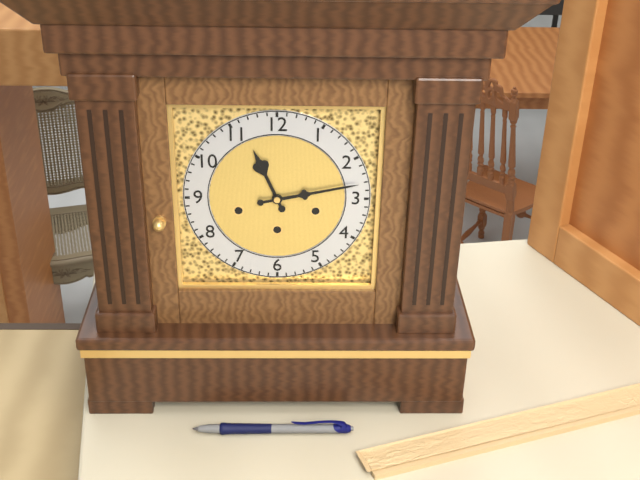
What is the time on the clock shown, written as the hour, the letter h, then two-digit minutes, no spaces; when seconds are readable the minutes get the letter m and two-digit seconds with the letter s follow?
11h13
